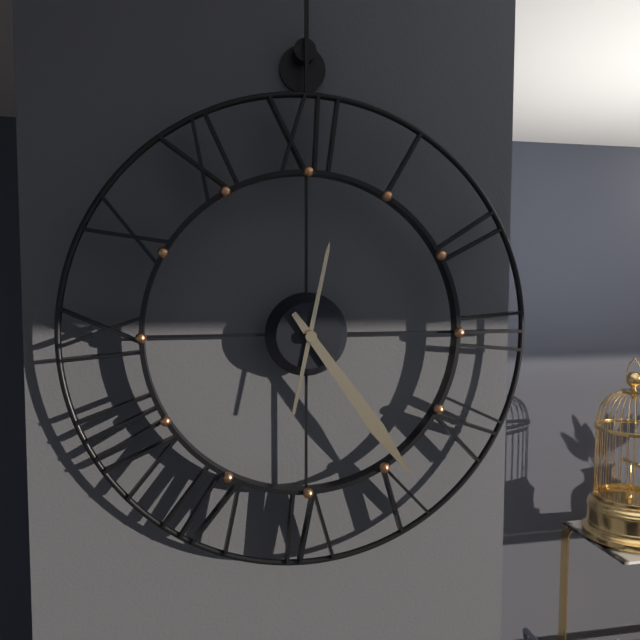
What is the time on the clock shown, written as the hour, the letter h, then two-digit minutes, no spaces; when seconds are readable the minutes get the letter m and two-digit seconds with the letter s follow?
12h24
